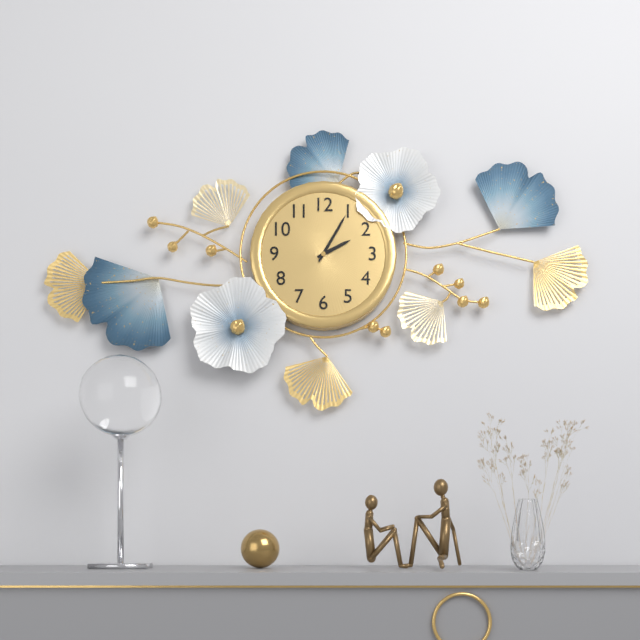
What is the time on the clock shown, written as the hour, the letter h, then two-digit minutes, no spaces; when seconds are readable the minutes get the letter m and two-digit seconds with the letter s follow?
2h05
